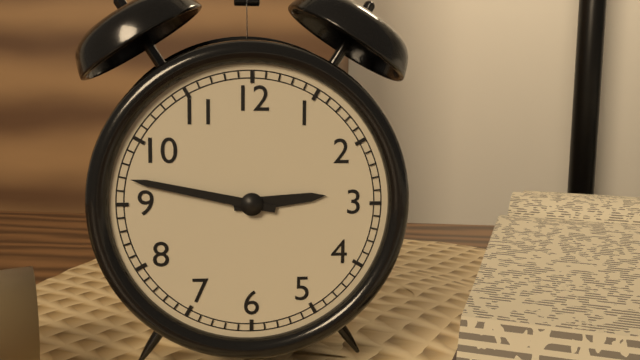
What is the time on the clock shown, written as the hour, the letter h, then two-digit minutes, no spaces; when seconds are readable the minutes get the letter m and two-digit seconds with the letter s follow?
2h47
